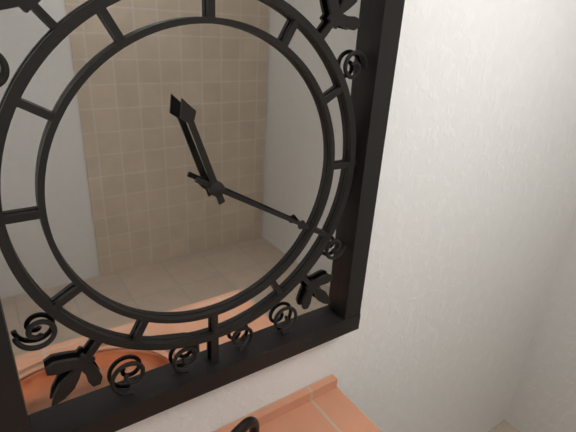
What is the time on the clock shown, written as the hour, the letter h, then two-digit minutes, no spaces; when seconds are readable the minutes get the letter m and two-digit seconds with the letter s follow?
11h20
